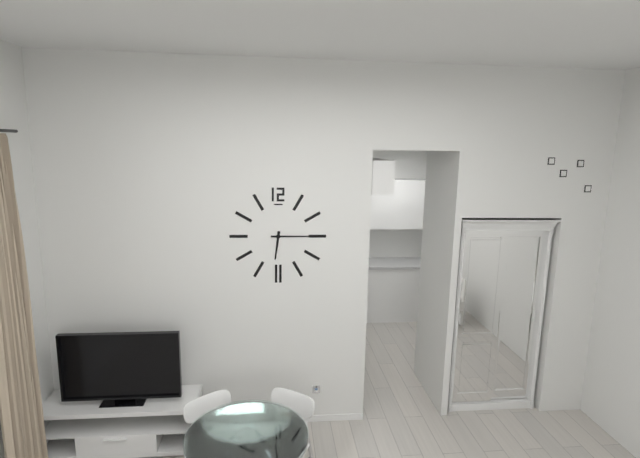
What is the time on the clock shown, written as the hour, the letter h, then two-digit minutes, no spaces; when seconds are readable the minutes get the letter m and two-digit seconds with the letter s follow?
6h15
